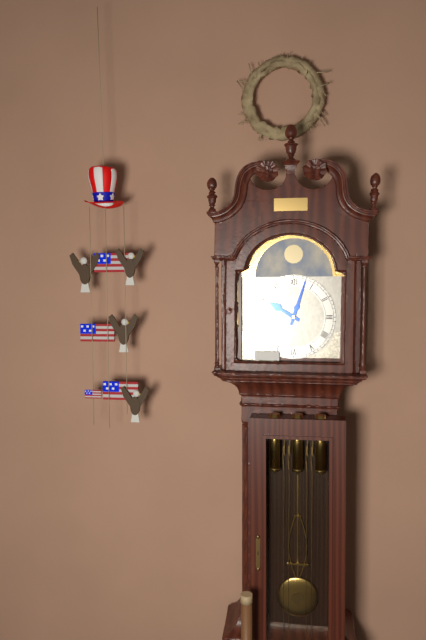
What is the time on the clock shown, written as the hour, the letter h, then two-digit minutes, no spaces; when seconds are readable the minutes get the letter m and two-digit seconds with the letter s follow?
10h03
